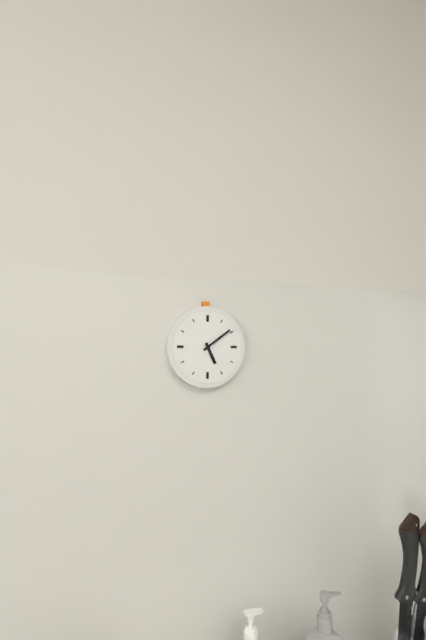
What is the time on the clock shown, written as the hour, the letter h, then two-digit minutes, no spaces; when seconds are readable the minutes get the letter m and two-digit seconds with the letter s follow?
5h09
